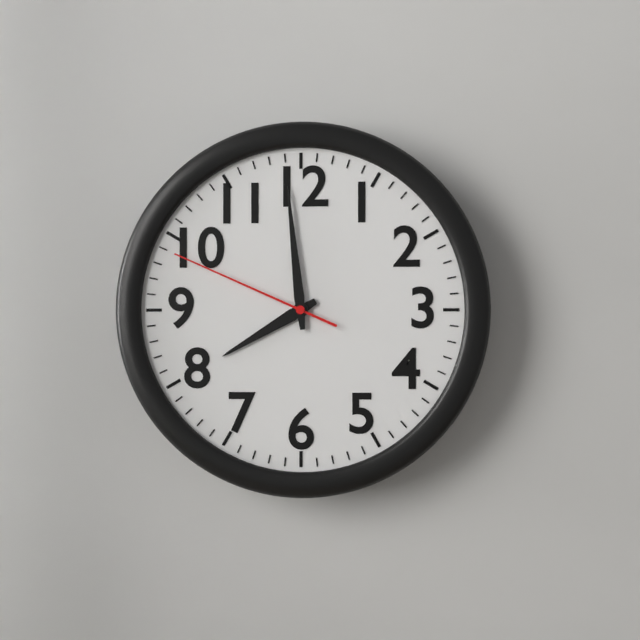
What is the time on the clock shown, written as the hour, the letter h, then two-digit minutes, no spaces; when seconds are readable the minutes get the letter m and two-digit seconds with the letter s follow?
7h59m49s
